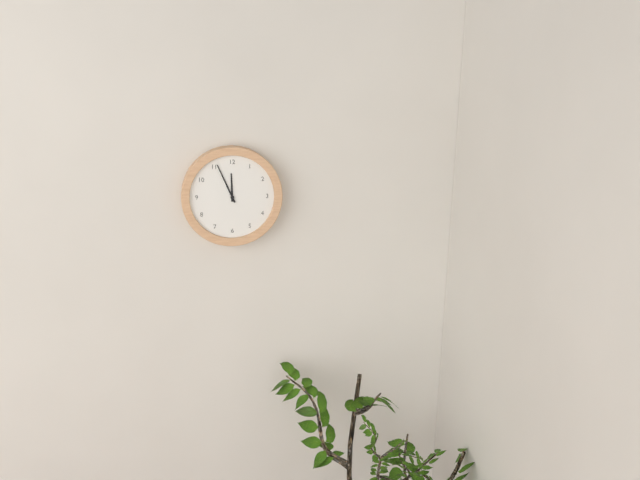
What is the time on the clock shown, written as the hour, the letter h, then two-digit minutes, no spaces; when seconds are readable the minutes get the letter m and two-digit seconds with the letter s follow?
11h56
